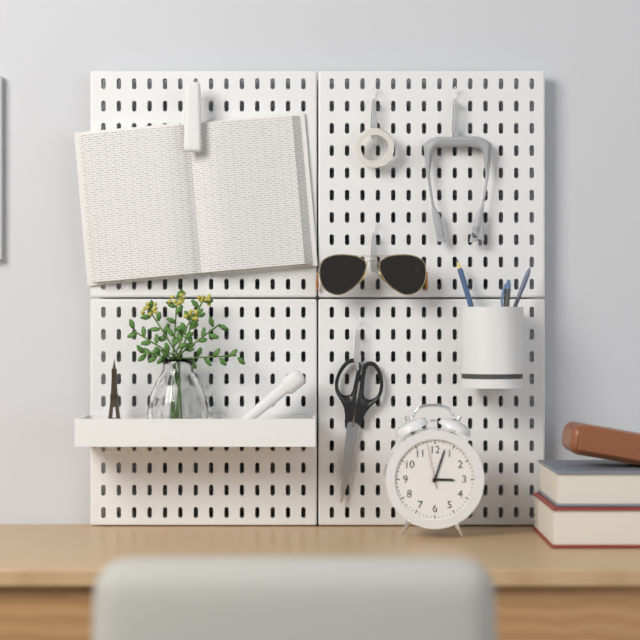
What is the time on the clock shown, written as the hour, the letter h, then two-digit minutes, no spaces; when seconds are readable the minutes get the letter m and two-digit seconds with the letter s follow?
3h03
